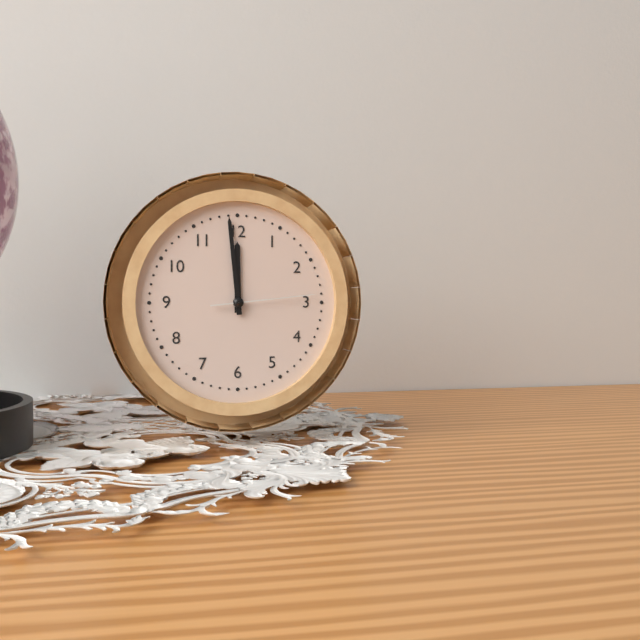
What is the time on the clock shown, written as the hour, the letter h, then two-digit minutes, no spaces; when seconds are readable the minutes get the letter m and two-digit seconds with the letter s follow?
11h59m14s
